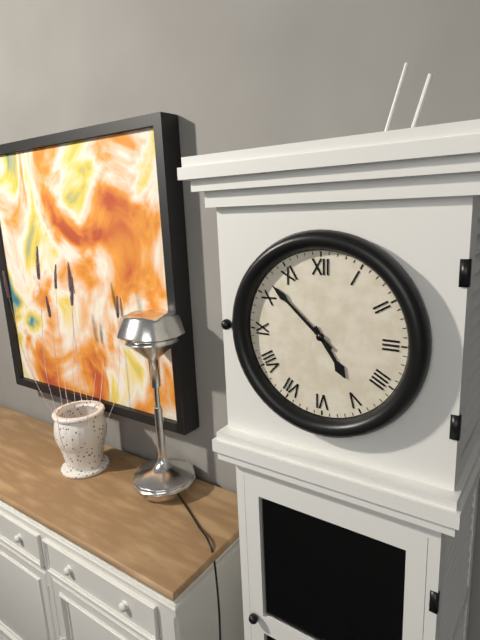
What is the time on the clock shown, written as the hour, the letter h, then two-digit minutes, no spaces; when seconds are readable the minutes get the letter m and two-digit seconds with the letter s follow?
4h52
